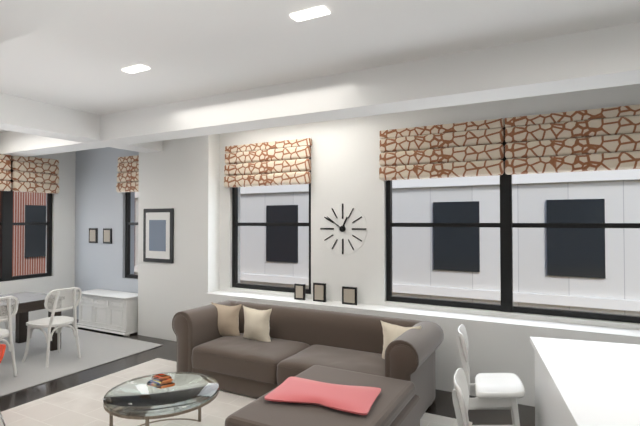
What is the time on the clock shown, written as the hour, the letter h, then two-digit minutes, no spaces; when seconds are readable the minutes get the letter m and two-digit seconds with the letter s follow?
12h51
